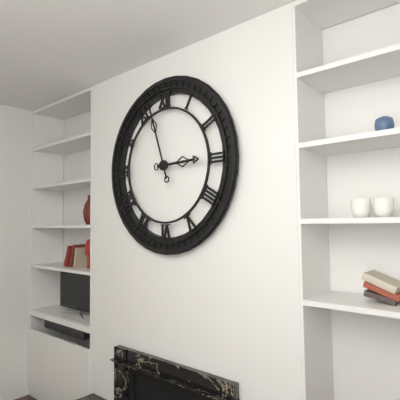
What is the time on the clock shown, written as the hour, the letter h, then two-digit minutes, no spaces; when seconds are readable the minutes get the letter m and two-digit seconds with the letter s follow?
2h57
